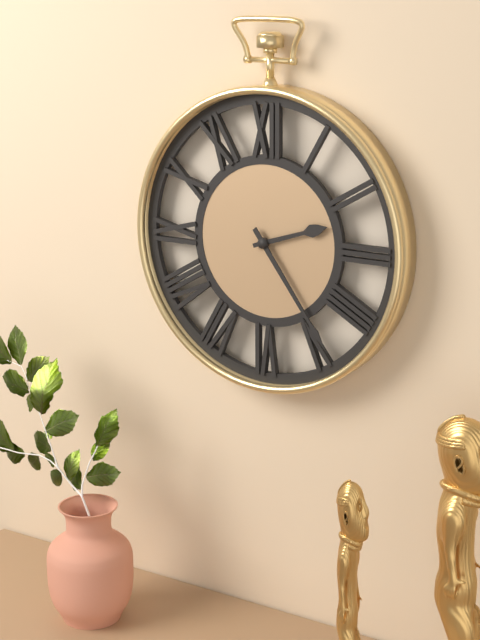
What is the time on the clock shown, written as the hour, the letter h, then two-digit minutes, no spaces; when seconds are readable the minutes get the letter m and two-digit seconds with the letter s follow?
2h24
